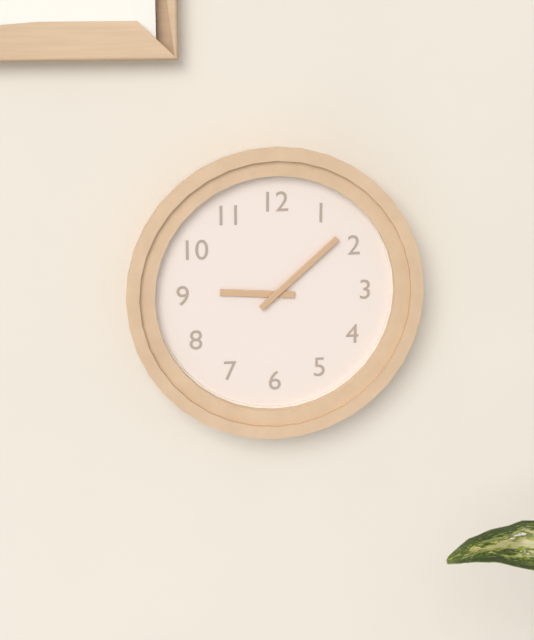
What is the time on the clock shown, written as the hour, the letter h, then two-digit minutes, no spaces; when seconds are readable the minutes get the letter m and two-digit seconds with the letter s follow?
9h08
